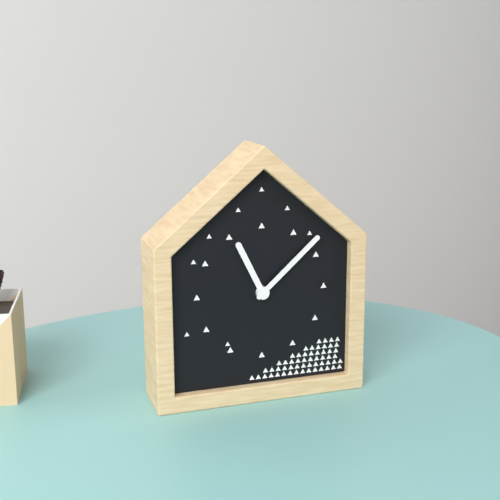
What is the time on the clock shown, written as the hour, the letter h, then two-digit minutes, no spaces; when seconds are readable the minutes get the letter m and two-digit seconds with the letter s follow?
11h08
